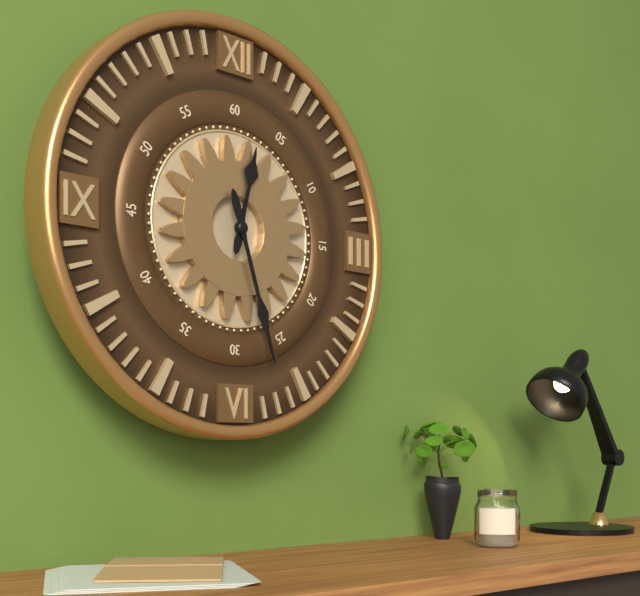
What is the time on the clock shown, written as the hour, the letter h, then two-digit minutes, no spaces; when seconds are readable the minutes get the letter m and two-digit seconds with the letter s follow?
12h27
